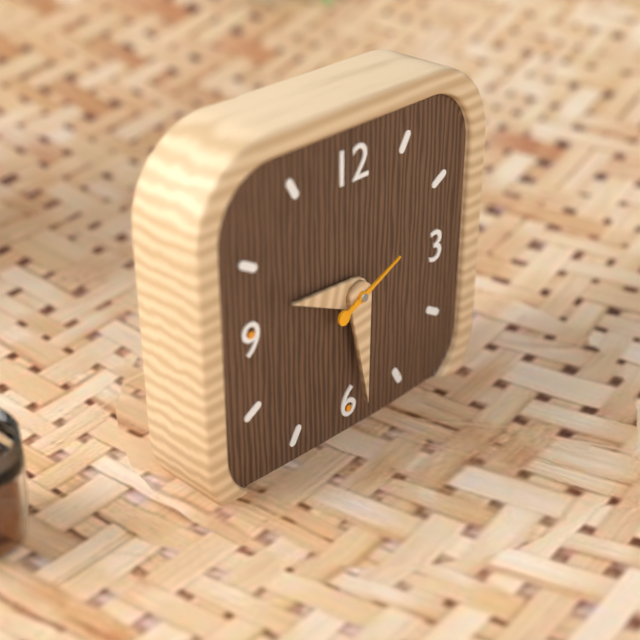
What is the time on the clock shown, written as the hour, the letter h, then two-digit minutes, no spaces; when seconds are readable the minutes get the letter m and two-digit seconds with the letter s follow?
9h29m11s
